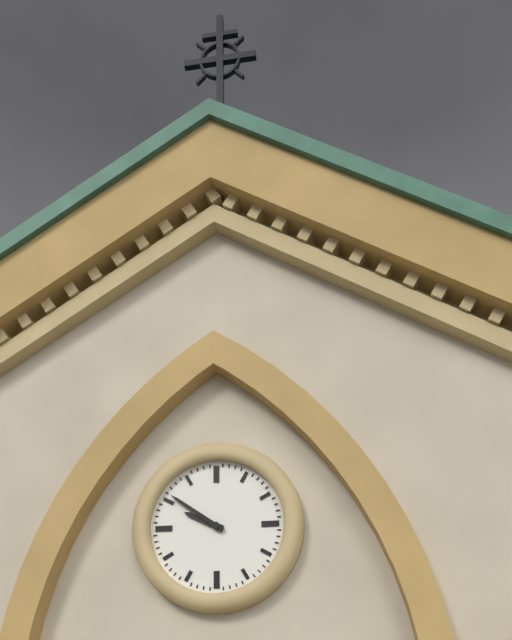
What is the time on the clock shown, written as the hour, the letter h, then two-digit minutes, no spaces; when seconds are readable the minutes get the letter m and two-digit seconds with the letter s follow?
9h51
